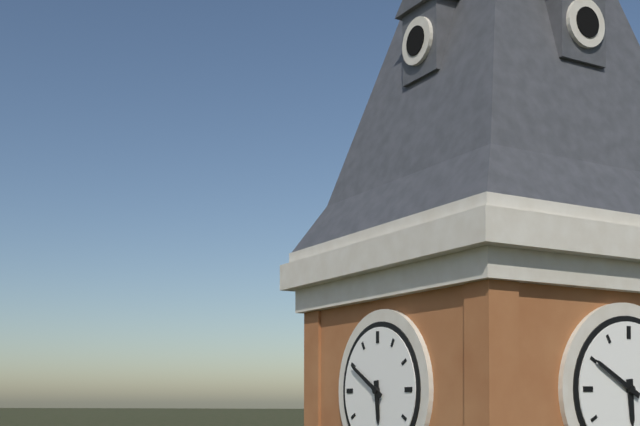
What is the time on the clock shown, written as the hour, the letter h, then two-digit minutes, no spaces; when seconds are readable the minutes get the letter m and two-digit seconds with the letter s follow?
5h50
